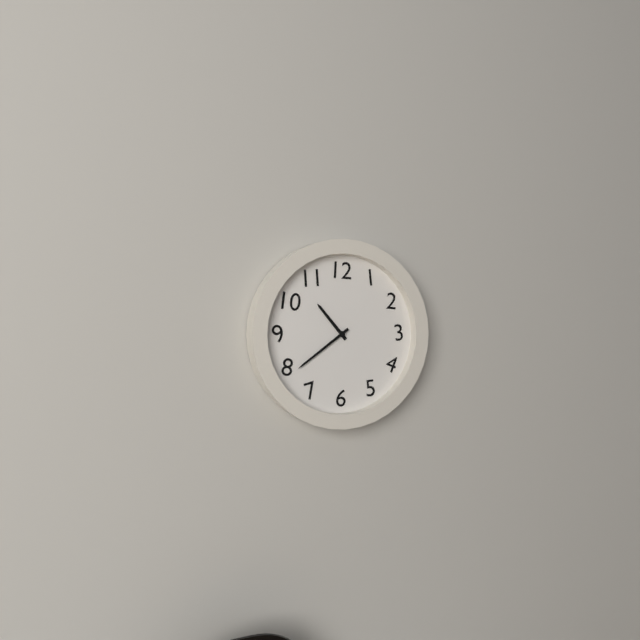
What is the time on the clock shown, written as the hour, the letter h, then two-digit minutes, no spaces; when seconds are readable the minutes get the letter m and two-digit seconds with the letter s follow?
10h39
